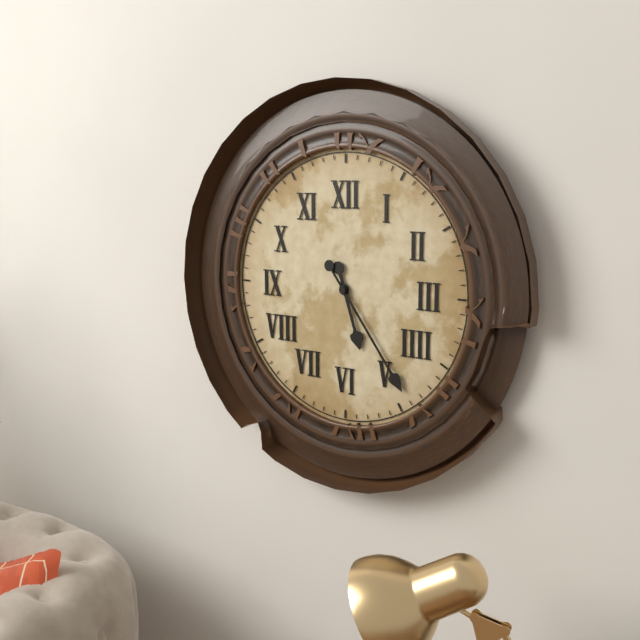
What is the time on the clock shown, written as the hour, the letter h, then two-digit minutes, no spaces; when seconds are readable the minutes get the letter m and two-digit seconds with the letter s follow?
5h24
